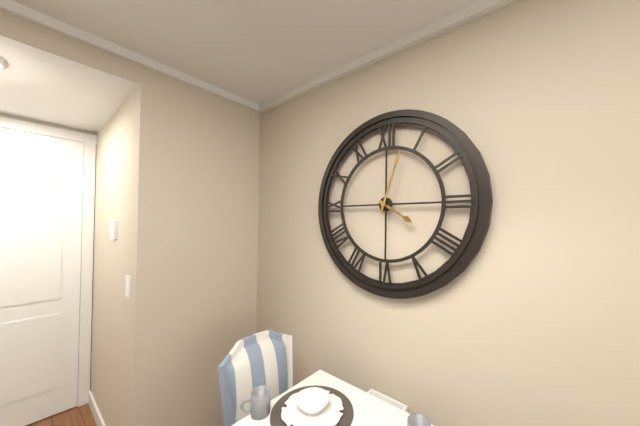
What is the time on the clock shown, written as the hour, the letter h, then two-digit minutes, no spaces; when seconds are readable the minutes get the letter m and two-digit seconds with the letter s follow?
4h03
